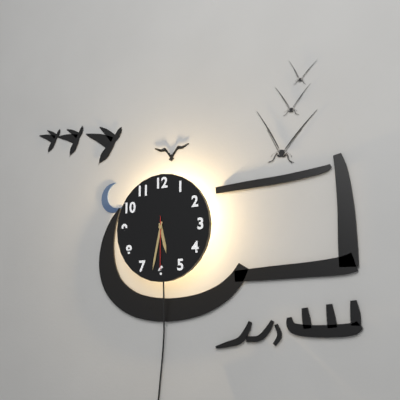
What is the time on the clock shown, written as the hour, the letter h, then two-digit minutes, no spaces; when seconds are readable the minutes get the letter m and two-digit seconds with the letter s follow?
5h32m30s
